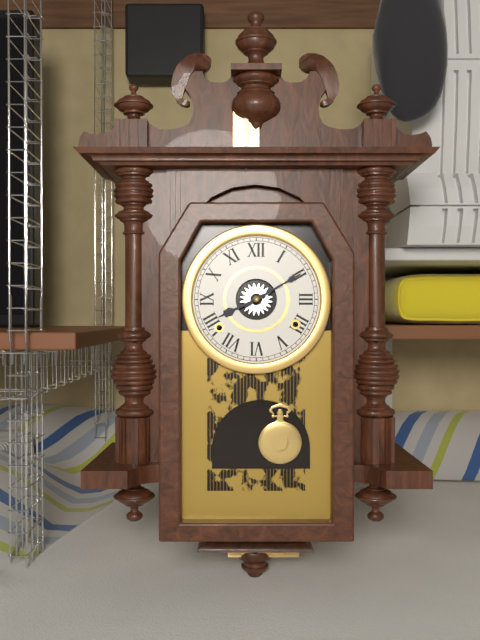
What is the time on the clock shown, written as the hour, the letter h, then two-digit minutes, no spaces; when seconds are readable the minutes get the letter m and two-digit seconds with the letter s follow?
8h10
